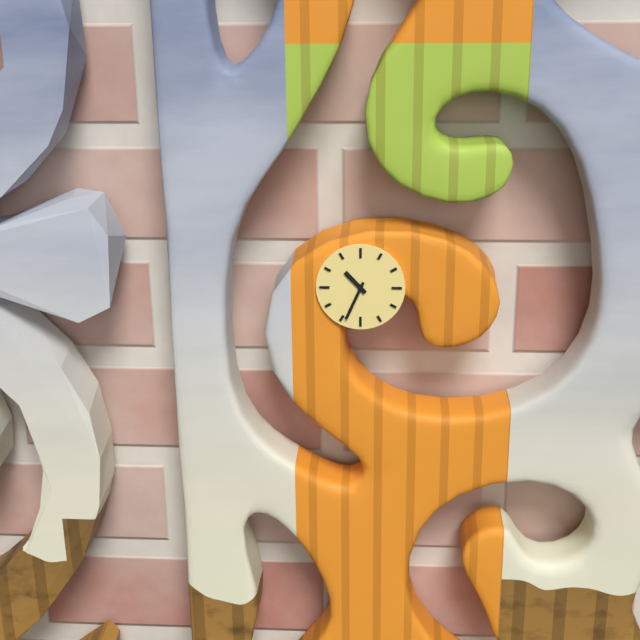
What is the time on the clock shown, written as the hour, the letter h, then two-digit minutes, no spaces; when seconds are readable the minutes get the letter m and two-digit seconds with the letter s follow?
10h34
